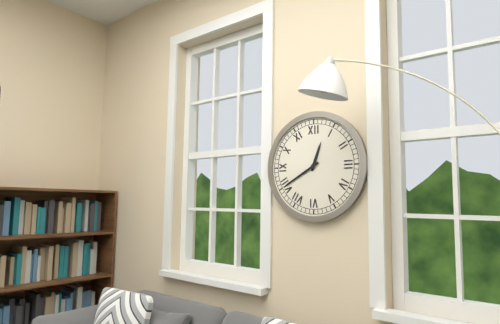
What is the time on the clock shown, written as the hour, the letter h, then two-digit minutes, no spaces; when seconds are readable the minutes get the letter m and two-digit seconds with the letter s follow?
12h40
